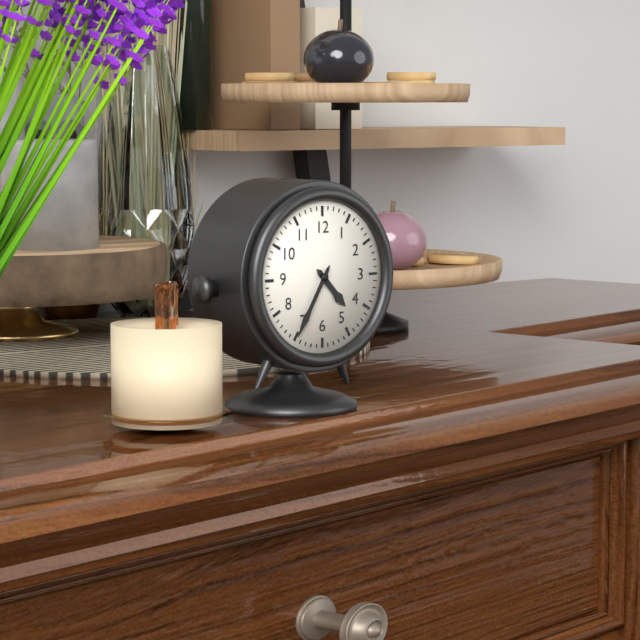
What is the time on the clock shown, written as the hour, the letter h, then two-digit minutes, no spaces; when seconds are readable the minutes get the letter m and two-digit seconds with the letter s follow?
4h35
